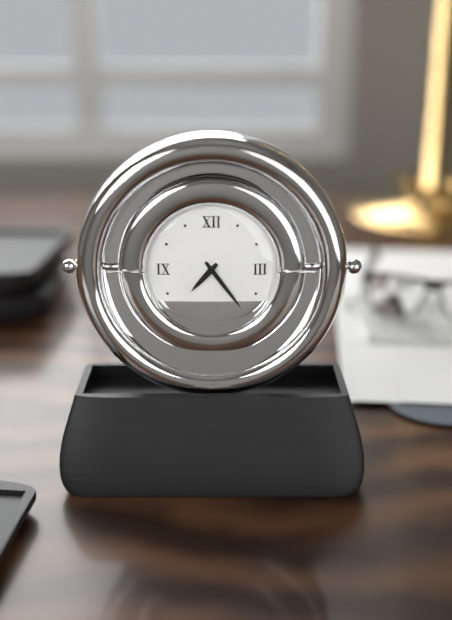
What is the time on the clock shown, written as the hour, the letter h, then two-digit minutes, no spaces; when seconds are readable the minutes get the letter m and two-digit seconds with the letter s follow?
7h24
